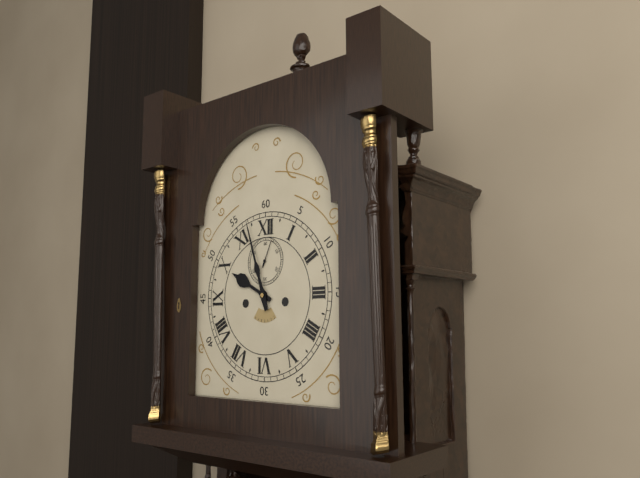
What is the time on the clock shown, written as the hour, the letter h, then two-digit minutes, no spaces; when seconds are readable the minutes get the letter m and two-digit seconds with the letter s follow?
9h57
